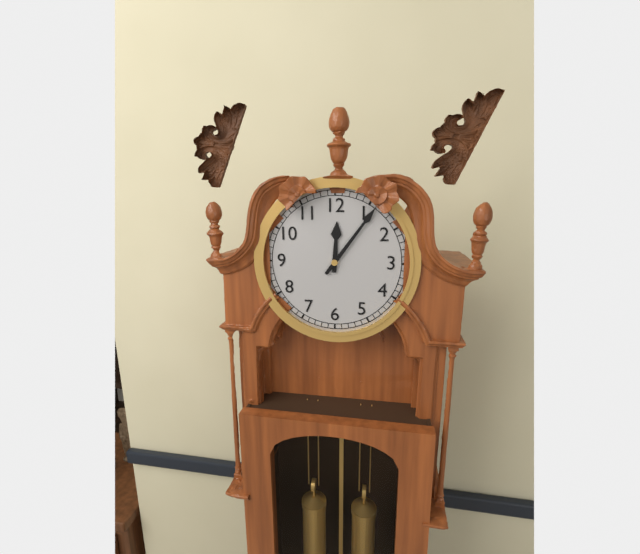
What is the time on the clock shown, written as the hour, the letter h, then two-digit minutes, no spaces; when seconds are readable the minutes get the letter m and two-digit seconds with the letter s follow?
12h06
